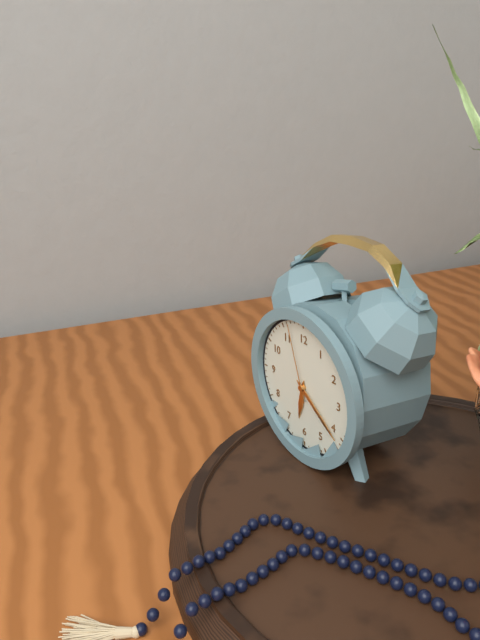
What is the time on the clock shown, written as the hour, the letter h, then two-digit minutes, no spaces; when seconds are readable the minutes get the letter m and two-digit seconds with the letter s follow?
6h21m57s
